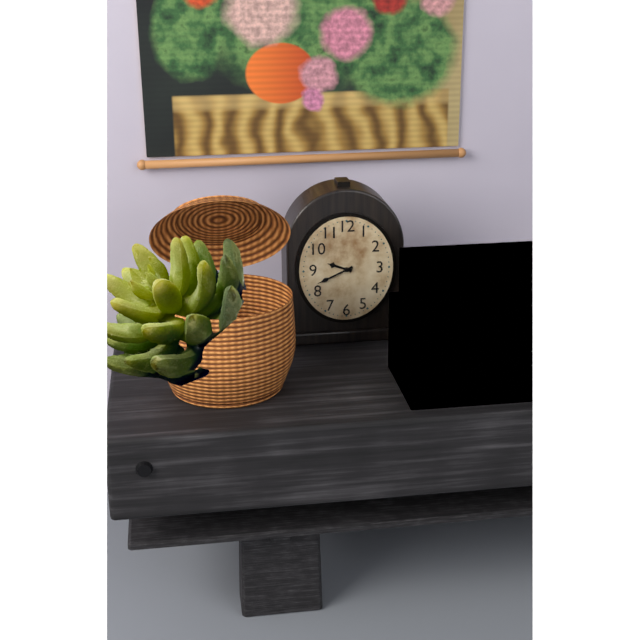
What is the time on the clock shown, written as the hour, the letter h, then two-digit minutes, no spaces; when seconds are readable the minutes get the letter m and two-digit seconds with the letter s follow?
9h41
